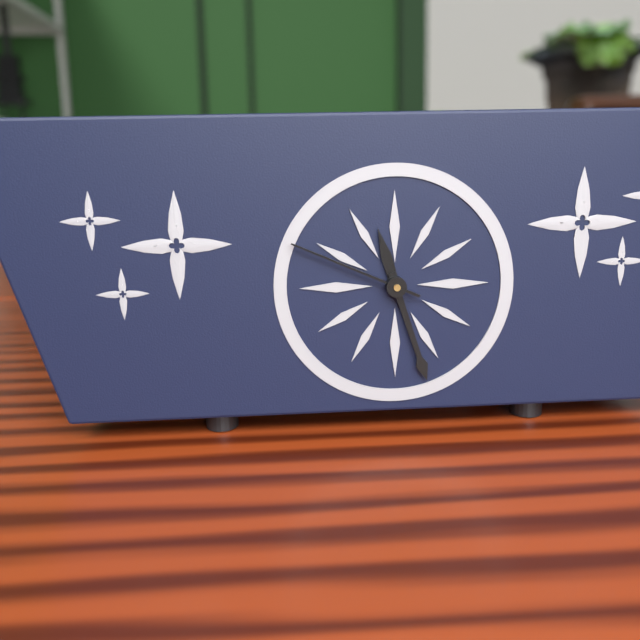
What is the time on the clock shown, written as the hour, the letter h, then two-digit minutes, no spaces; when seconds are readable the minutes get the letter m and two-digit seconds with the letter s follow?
11h27m49s
